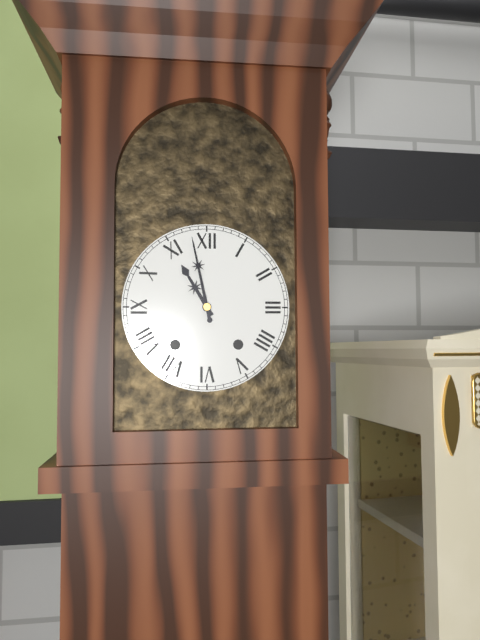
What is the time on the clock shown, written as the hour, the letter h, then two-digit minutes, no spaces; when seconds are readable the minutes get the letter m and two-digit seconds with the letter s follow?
10h58
